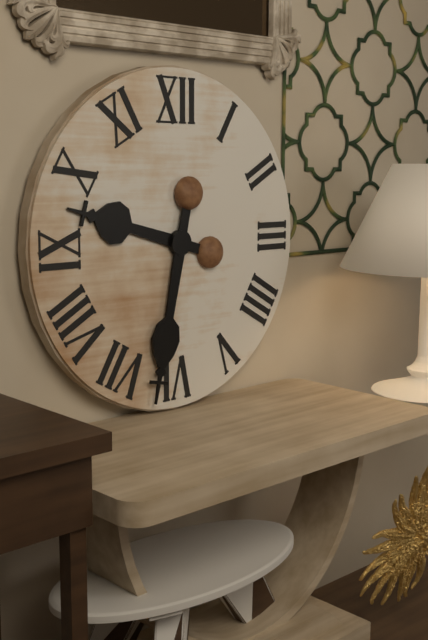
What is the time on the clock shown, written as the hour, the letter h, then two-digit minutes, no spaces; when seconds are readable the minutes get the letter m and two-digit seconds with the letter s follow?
9h32
